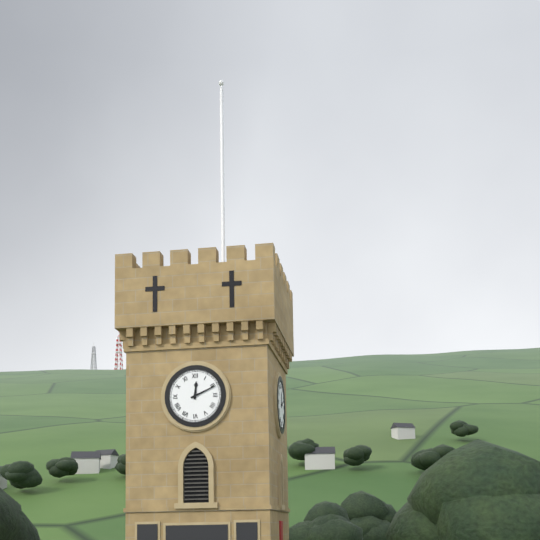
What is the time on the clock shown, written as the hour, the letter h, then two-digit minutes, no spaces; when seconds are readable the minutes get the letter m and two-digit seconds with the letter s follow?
12h11
